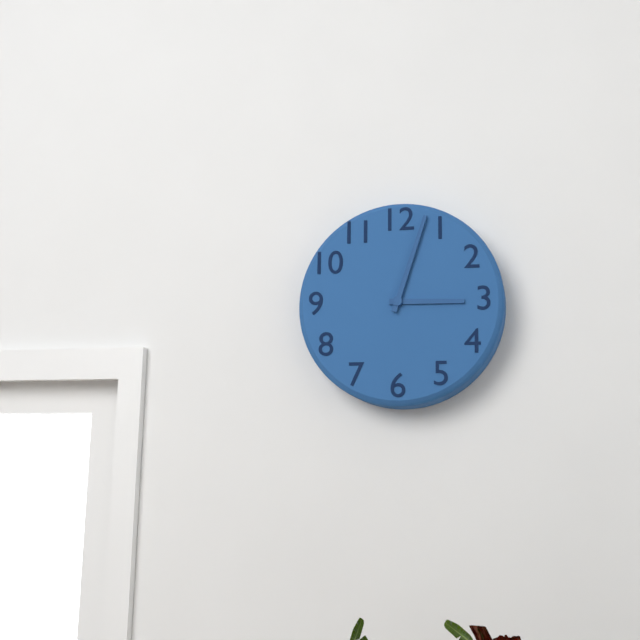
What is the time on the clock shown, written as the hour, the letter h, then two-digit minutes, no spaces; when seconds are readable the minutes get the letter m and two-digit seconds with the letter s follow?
3h03
